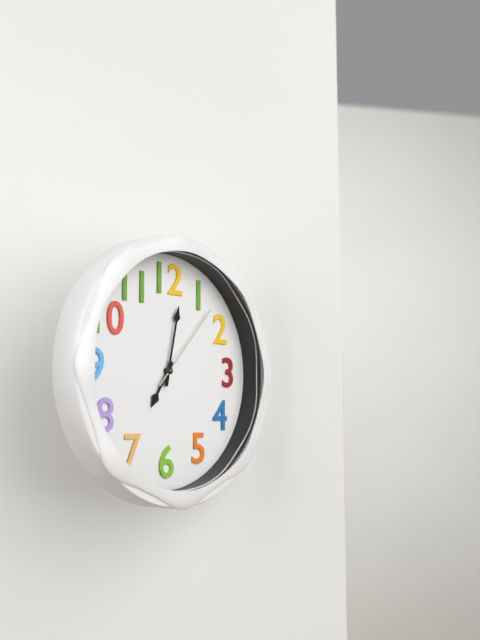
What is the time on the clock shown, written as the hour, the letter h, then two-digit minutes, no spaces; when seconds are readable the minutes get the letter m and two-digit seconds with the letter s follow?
7h02m07s
